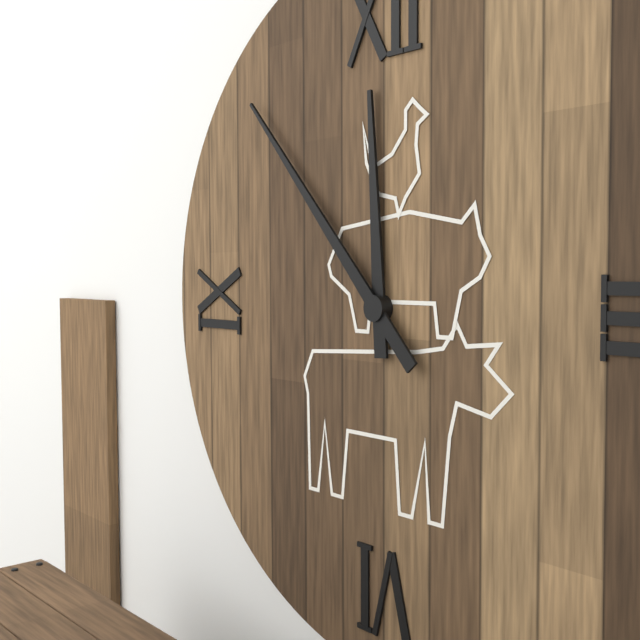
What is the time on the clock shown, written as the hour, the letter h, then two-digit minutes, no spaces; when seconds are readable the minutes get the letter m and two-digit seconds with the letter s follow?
11h53
